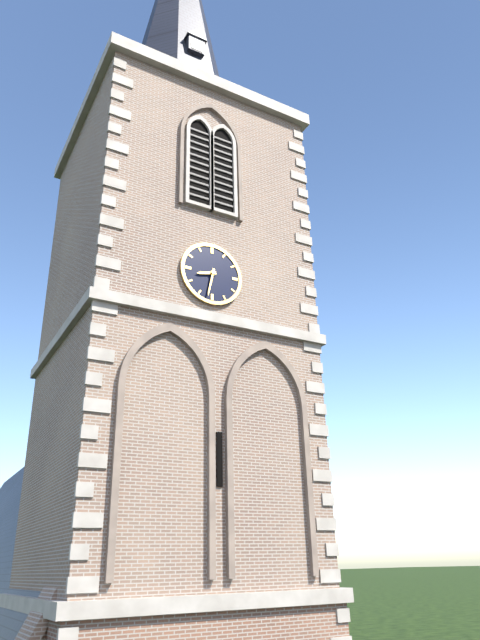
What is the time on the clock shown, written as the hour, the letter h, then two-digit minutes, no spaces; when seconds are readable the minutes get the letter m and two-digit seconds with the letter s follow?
8h32
